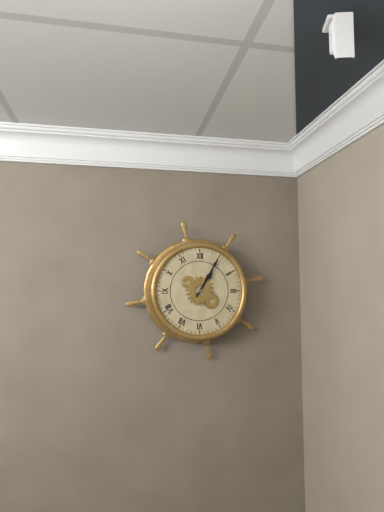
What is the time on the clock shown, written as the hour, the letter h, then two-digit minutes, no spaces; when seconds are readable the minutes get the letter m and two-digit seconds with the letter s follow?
1h05
